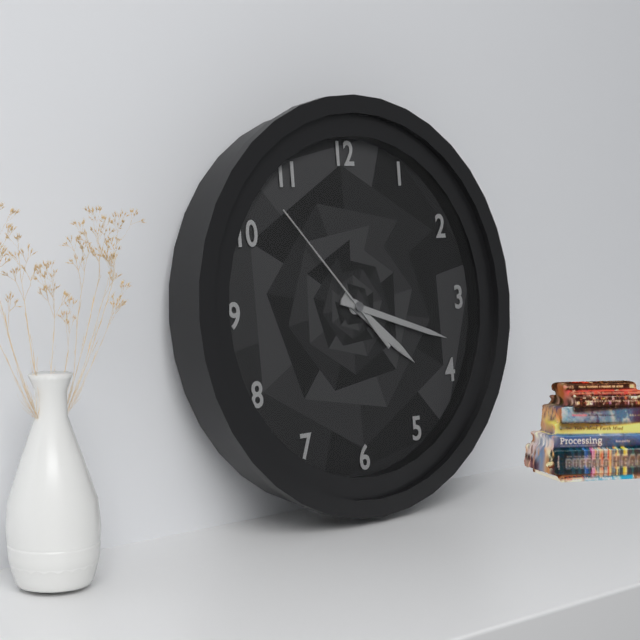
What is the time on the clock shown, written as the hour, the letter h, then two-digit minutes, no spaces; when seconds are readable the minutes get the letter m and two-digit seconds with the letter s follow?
4h18m53s
